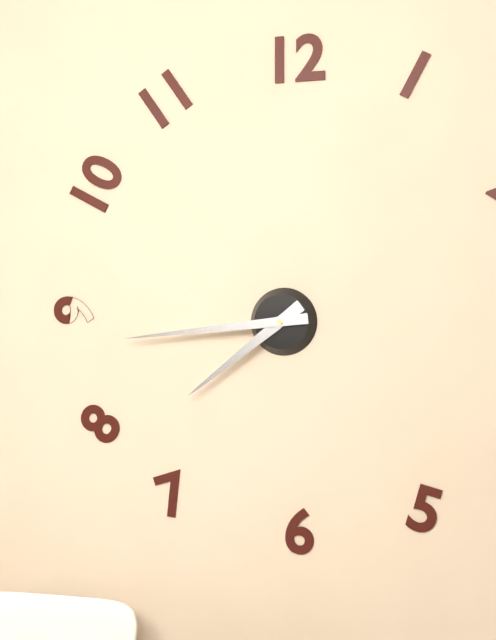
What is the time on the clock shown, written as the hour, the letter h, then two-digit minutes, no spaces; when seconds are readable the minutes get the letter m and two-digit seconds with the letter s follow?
7h44
